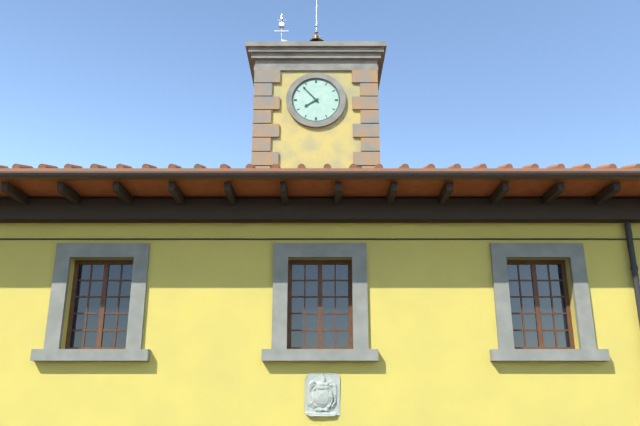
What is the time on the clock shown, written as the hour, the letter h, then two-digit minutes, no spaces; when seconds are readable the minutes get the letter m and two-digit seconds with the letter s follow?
7h53
